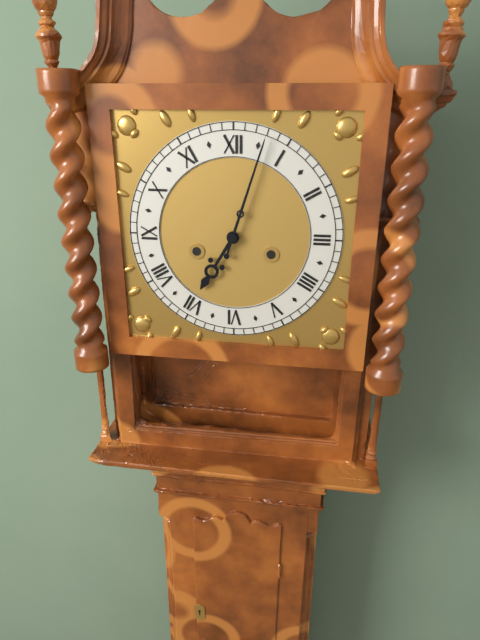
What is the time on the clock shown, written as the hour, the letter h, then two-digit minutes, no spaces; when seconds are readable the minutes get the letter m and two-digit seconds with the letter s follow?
7h03
